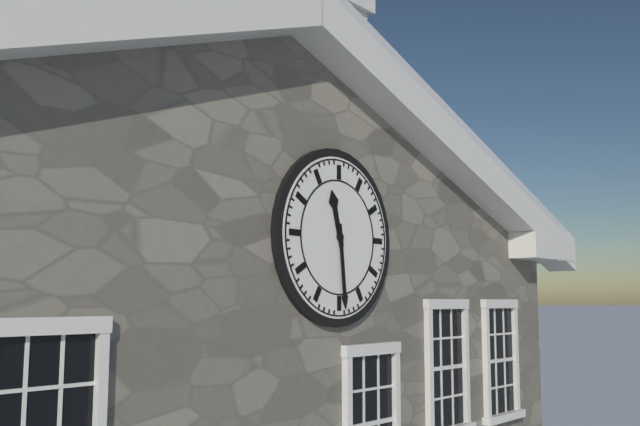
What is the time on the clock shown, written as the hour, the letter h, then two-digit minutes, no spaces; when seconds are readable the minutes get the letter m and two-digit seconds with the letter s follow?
11h29
